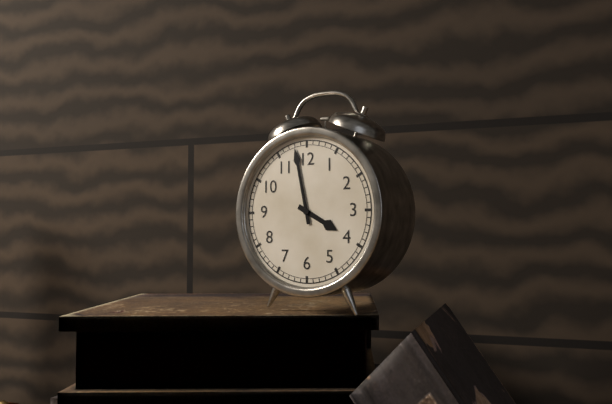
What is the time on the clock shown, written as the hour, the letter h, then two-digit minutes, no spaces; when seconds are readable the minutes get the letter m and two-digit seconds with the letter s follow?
3h58
